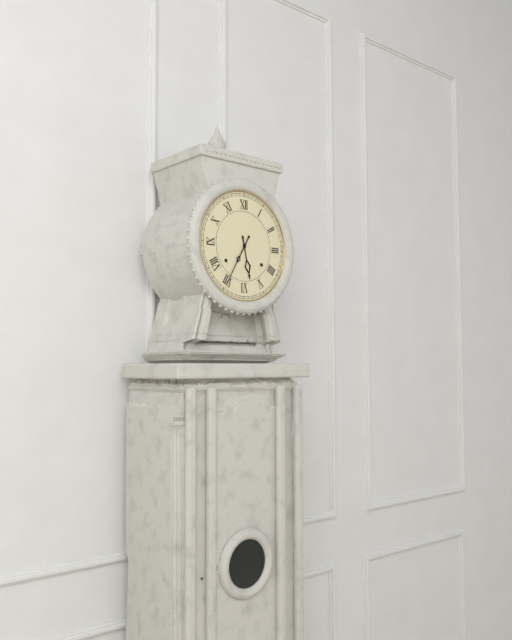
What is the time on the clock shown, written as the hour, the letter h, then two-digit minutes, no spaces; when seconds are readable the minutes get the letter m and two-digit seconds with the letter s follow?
5h35
